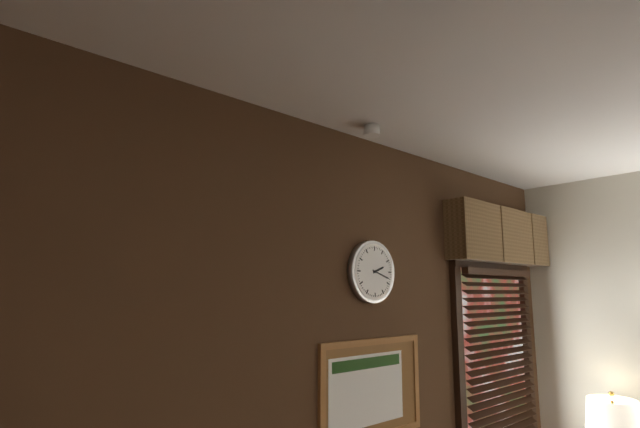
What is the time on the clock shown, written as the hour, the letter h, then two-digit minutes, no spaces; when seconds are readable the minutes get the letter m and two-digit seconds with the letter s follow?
2h18
